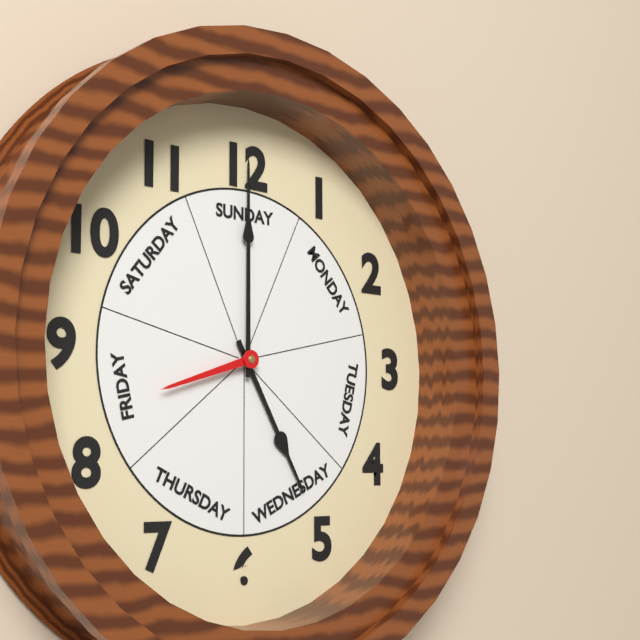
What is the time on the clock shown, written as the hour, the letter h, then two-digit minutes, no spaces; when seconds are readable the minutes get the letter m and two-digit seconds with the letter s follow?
5h00m42s
